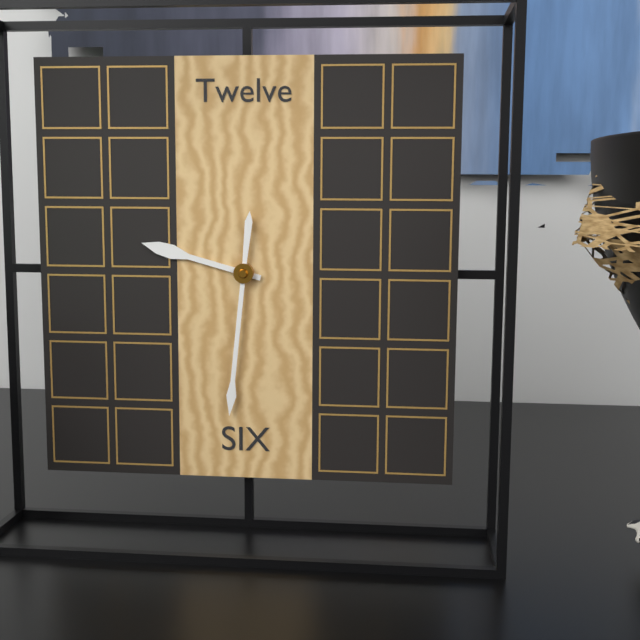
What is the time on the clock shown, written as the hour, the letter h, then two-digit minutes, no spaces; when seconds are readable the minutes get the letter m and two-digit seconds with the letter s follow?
9h31
